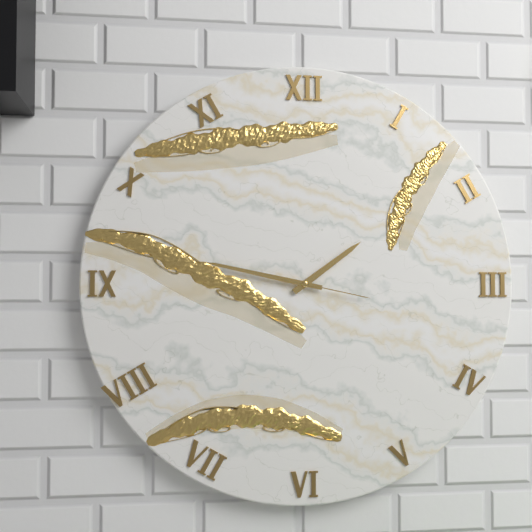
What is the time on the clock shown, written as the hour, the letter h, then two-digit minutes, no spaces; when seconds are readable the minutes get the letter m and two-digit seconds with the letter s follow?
1h47m17s
